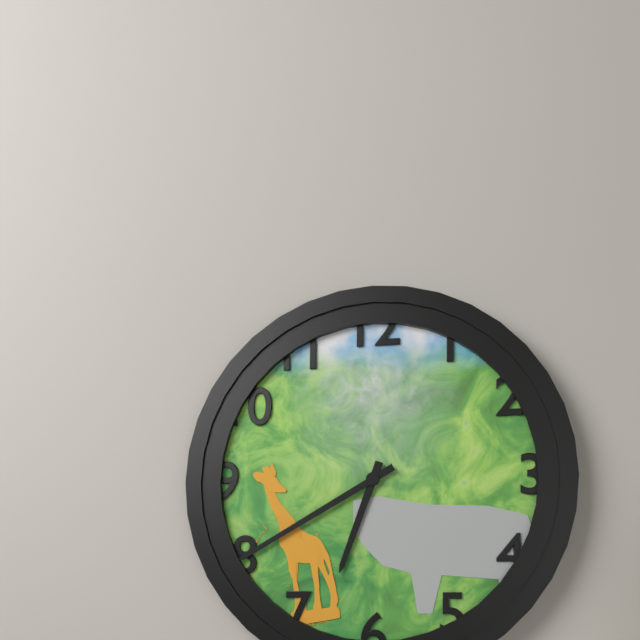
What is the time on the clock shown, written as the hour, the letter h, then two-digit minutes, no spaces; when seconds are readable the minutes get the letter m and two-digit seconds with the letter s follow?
6h40
